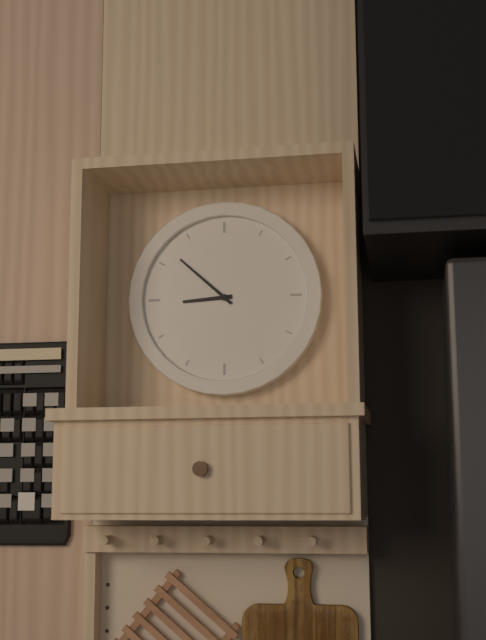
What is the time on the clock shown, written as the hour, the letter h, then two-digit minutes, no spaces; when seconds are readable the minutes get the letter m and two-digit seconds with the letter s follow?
8h52
